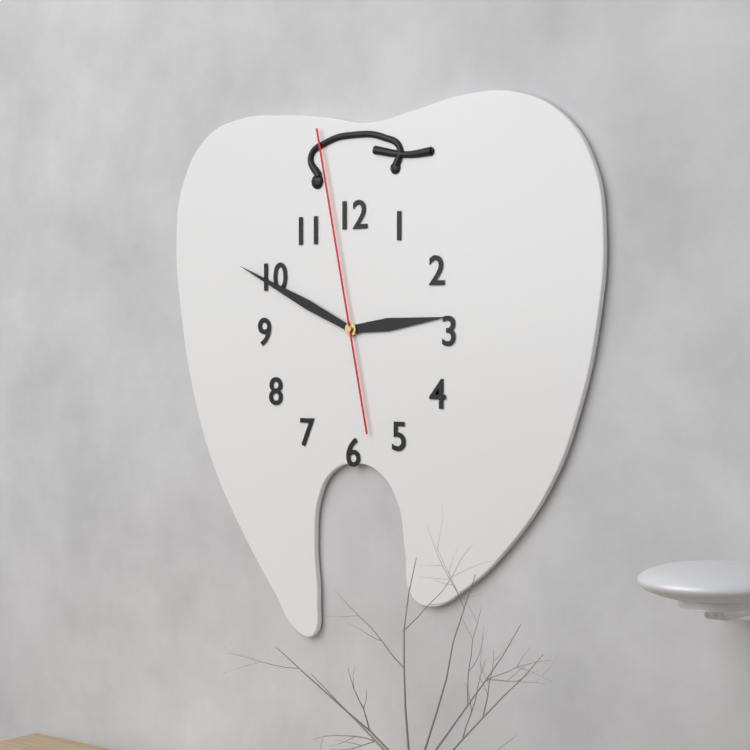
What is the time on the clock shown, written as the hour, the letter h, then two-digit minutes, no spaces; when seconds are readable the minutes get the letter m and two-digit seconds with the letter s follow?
2h49m58s
